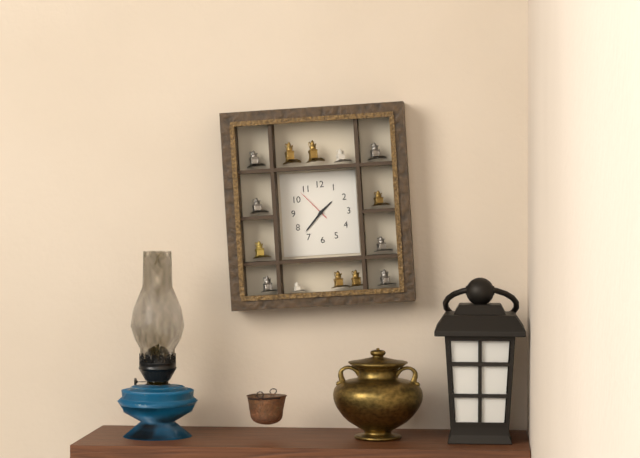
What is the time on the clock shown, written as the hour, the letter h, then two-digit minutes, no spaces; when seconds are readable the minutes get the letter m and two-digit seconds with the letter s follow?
1h37
